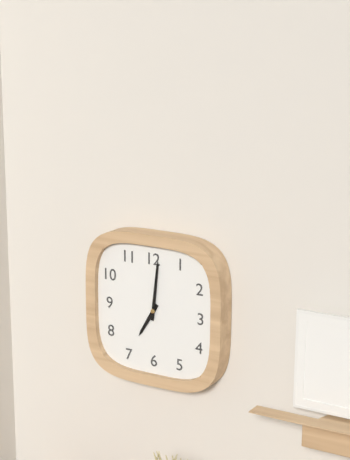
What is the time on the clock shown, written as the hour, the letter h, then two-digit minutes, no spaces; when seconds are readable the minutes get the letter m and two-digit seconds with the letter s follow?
7h01
